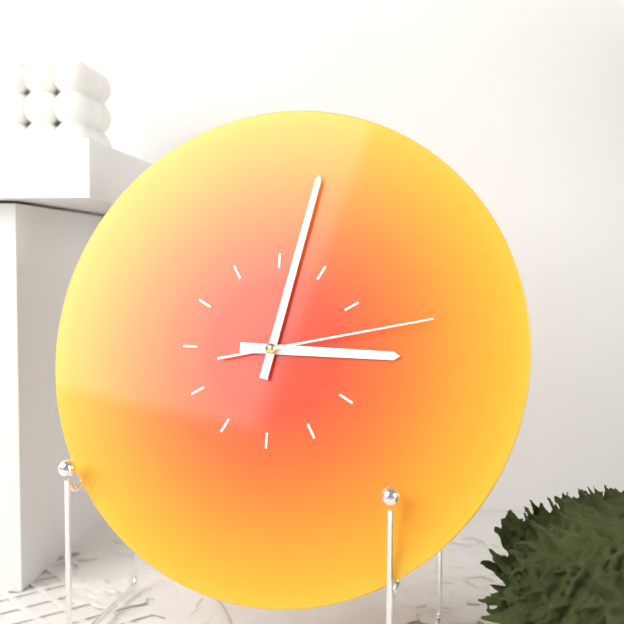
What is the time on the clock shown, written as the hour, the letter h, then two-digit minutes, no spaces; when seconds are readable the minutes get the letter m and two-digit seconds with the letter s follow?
3h02m13s
